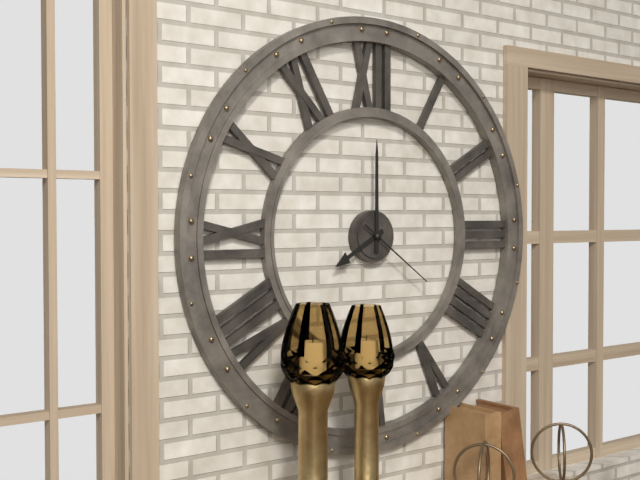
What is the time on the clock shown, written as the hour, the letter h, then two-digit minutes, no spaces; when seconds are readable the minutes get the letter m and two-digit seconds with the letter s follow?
8h00m21s
